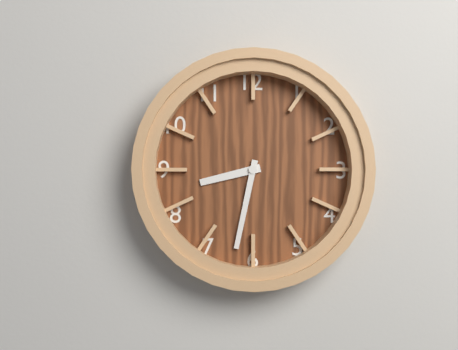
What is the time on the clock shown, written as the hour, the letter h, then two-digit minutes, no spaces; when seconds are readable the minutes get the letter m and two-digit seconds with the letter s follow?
8h32
